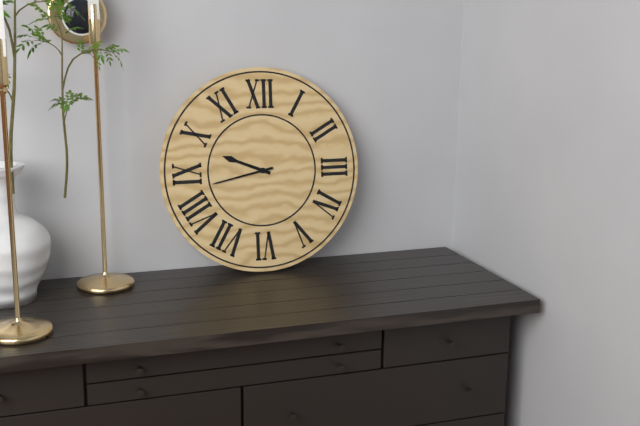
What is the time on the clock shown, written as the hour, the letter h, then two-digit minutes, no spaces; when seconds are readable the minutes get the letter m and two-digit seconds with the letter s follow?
9h43
